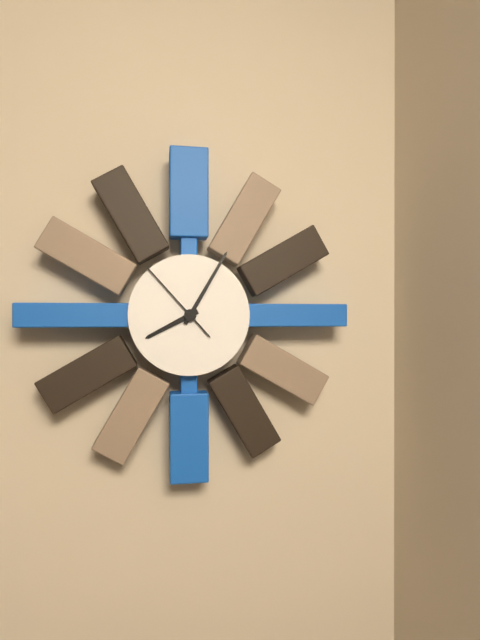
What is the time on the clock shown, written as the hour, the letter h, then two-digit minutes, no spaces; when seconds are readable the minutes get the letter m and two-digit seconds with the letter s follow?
8h05m53s
